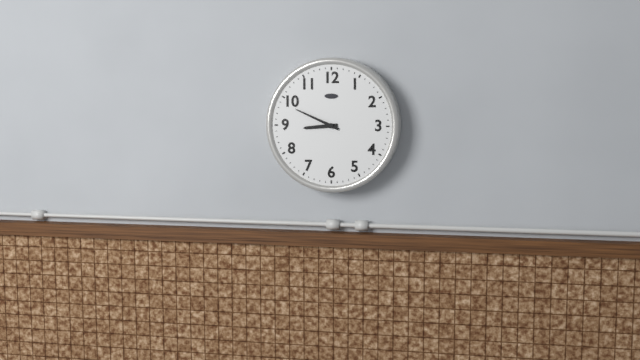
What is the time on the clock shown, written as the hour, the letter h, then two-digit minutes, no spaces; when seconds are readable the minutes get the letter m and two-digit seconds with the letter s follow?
8h49
